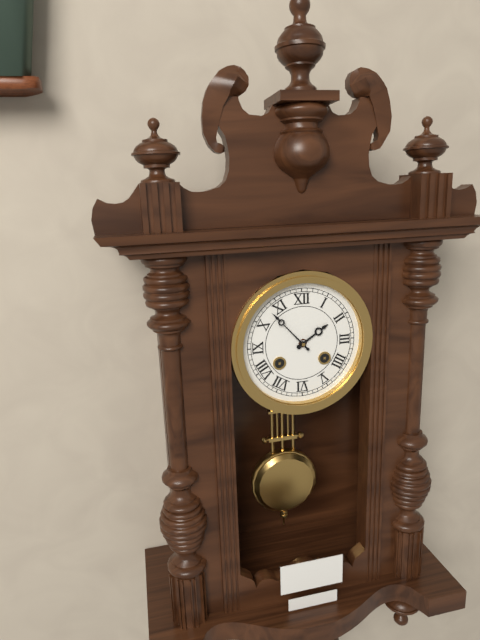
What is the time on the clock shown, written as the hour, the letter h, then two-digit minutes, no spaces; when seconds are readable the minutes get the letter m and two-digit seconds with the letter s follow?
1h53
